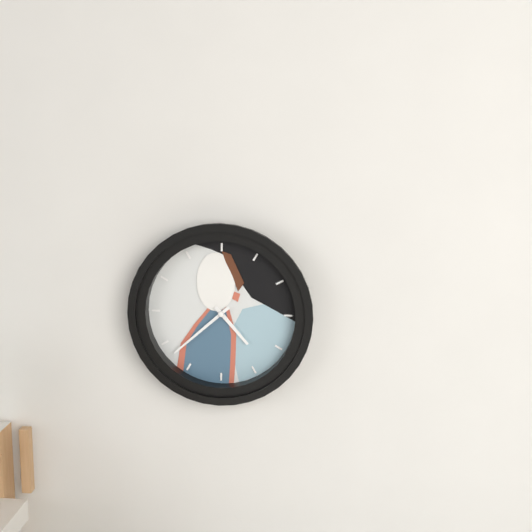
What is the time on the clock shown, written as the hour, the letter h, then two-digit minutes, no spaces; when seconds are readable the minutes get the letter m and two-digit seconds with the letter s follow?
4h38
